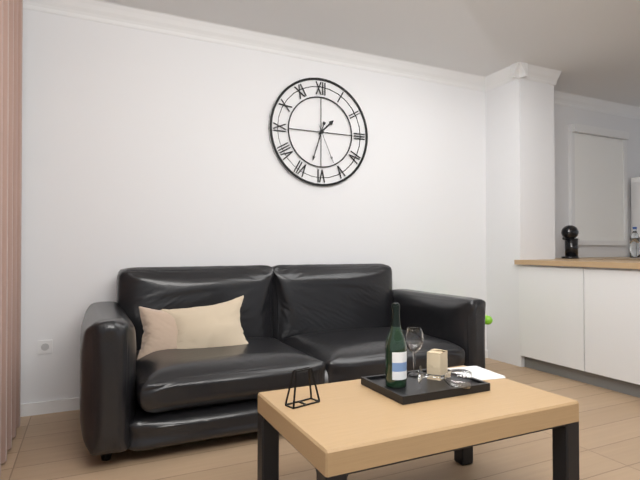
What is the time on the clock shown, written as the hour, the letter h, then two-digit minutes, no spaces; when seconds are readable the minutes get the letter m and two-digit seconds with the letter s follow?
1h33
